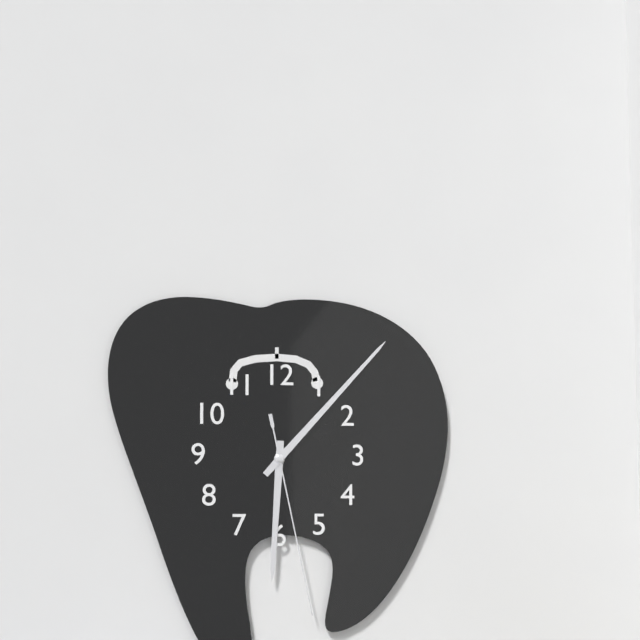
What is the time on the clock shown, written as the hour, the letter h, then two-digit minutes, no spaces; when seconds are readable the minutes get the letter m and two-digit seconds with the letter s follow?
6h07m28s
